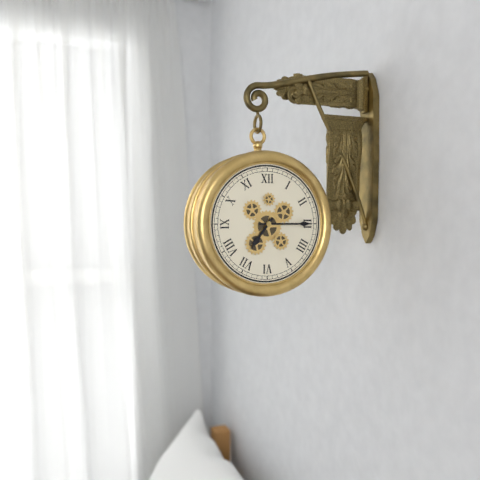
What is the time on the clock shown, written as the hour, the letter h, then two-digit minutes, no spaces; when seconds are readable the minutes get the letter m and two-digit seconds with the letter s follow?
7h15
